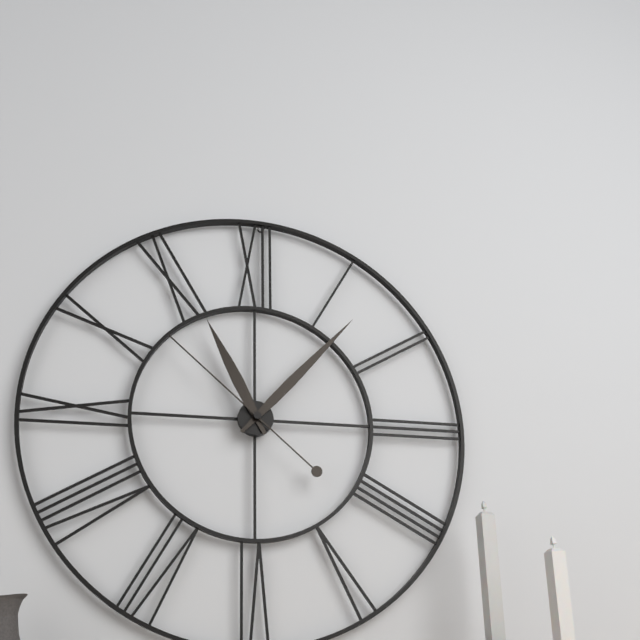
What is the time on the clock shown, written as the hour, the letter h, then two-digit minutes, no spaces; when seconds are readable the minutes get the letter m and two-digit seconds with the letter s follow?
11h07m52s
